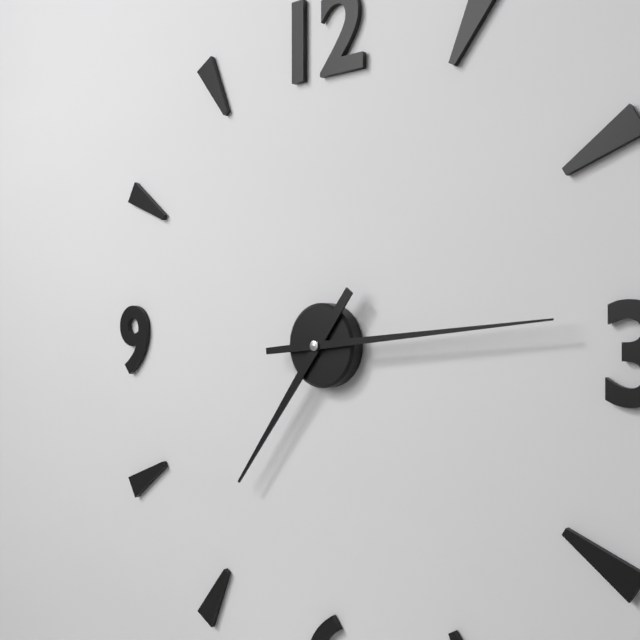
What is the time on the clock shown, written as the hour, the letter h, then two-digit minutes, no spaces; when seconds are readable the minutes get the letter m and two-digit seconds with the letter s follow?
7h14
